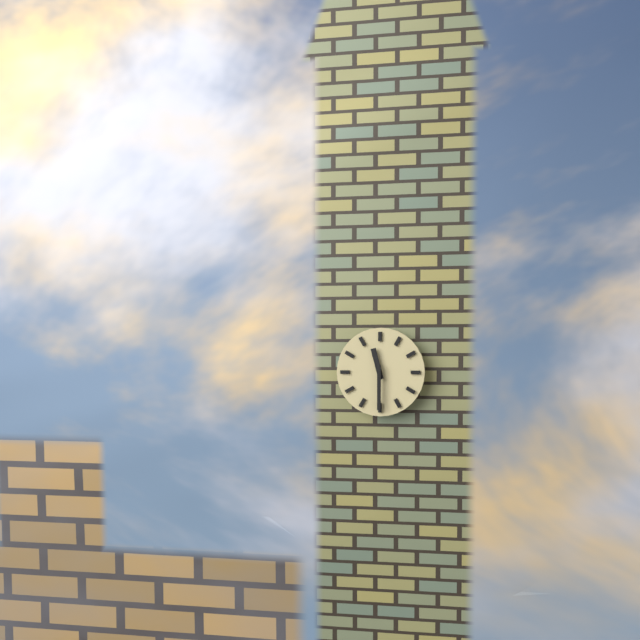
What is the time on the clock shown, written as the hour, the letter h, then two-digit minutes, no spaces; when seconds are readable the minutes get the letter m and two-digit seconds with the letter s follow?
11h30
